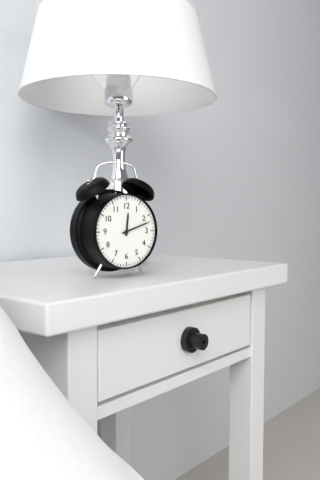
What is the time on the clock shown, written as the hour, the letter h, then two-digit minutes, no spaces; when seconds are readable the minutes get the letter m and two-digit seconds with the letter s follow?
12h12
